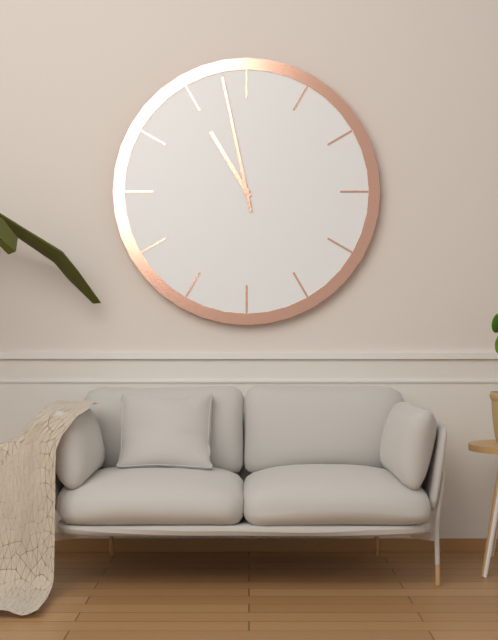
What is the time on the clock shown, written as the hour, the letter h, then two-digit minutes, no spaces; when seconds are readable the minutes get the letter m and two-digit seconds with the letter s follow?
10h58
